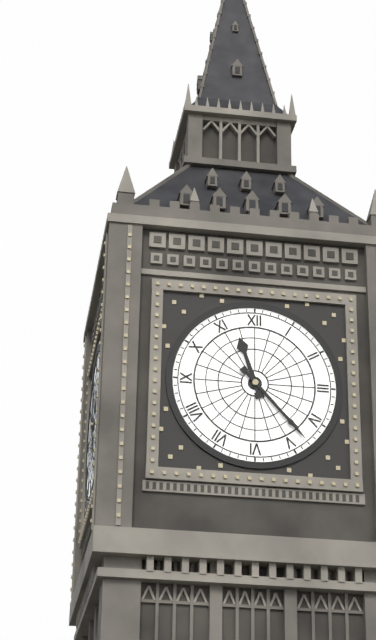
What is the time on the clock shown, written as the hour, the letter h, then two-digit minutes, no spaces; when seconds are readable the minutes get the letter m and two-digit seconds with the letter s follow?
11h23
